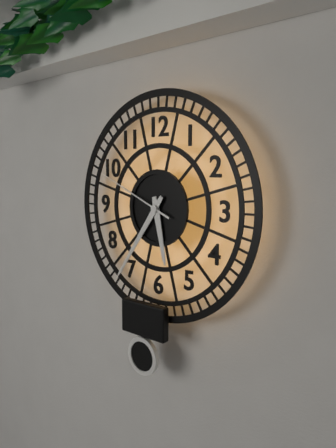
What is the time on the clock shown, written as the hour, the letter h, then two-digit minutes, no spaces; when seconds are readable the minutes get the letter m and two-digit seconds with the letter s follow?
5h36m49s
